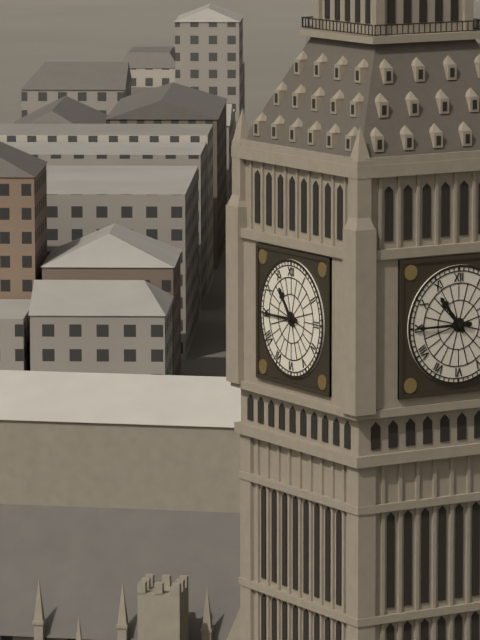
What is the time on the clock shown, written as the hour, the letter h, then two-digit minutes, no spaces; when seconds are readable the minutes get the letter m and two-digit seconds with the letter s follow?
10h45
